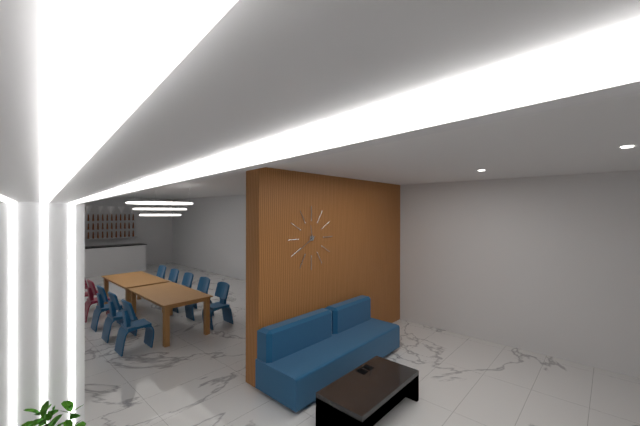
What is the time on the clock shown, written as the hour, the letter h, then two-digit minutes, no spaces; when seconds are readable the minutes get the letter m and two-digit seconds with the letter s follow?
11h40
